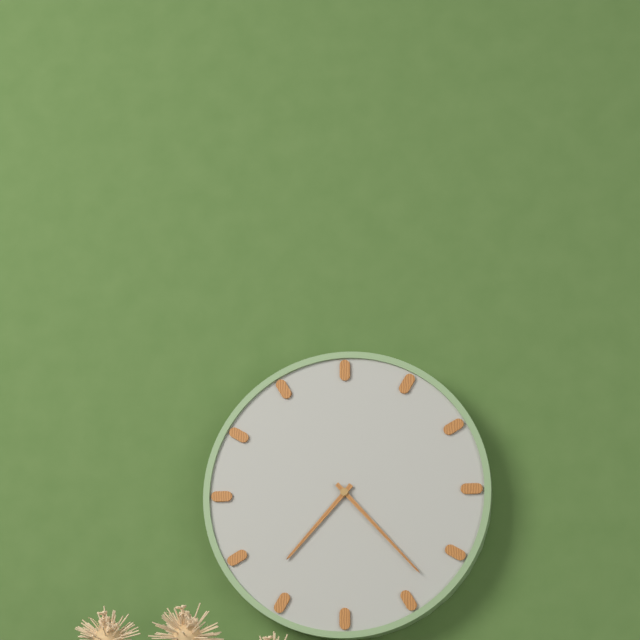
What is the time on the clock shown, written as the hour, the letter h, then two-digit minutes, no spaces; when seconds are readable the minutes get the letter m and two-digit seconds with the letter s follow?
7h23
